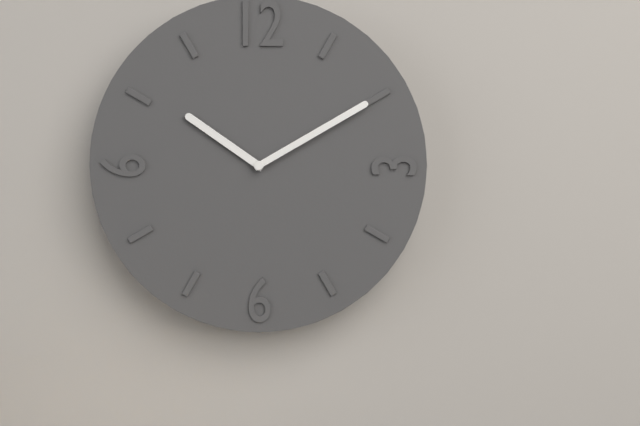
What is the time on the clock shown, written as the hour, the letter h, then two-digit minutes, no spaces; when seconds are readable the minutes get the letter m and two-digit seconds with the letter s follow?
10h10
